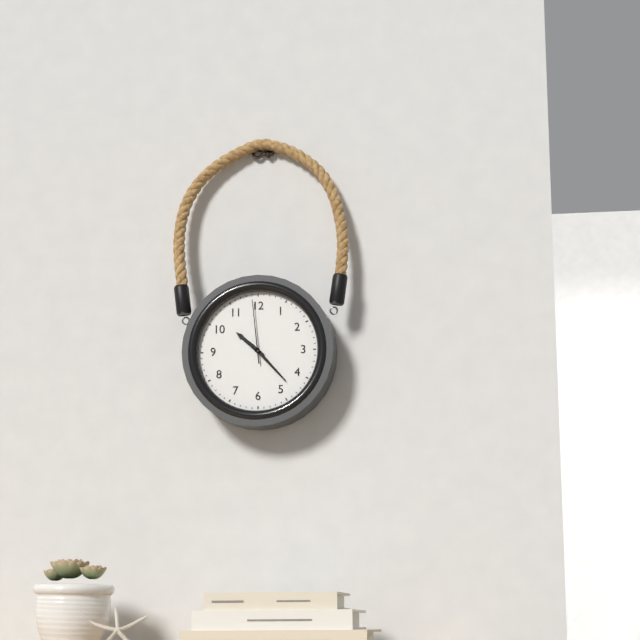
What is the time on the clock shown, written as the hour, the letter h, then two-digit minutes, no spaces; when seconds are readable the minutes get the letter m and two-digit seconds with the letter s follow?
10h23m59s
